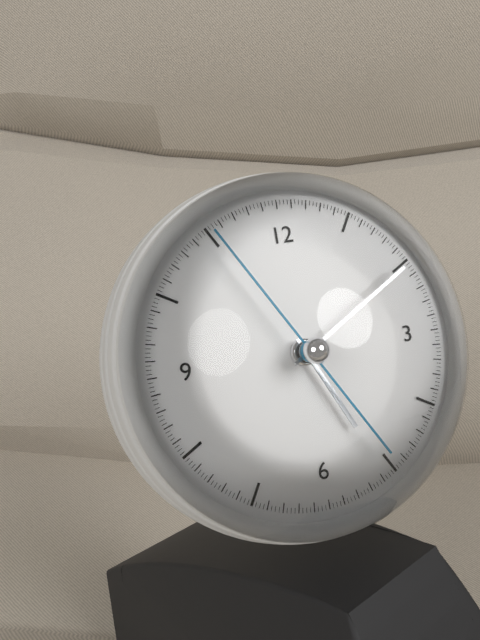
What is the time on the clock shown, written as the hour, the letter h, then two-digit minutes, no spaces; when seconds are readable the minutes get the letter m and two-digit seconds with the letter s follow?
5h10m55s
